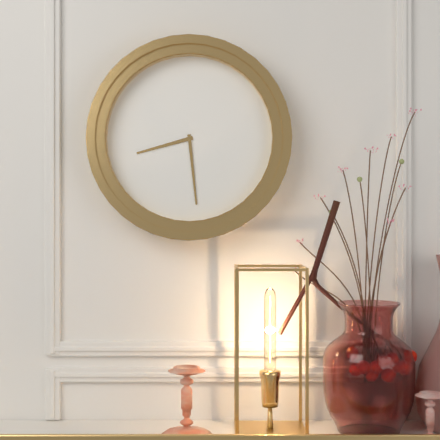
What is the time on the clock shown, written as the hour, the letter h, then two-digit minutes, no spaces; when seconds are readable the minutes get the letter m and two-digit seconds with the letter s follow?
8h29
